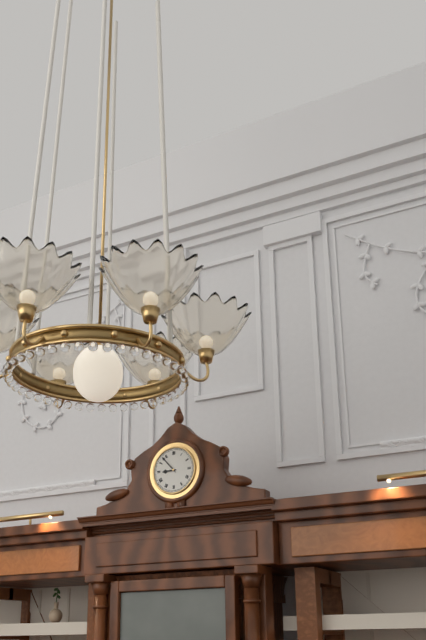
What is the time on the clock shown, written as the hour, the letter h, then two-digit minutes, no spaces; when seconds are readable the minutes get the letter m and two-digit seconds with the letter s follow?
8h53
